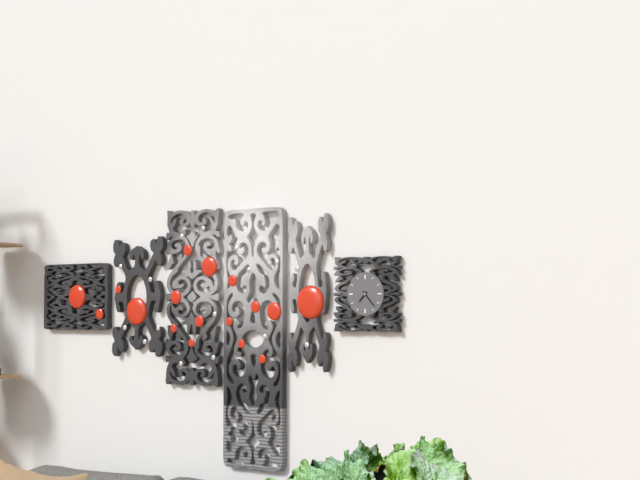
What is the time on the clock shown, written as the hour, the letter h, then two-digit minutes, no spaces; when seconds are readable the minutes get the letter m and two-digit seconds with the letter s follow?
7h23
